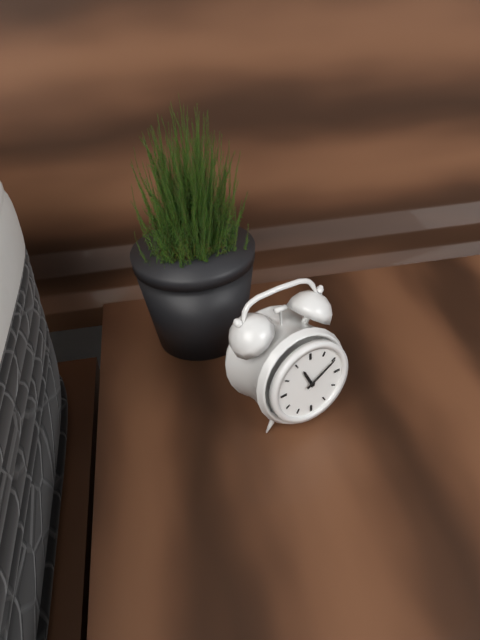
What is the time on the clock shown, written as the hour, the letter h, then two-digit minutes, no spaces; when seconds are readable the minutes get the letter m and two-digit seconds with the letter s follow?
11h10
